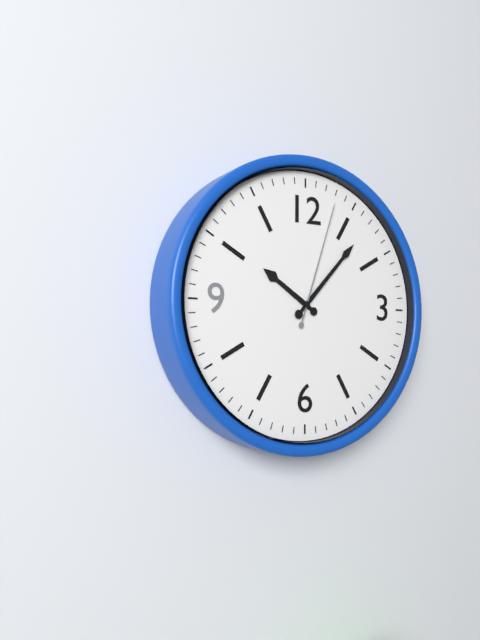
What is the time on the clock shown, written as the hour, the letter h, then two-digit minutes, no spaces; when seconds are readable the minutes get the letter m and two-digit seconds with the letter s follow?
10h07m03s
